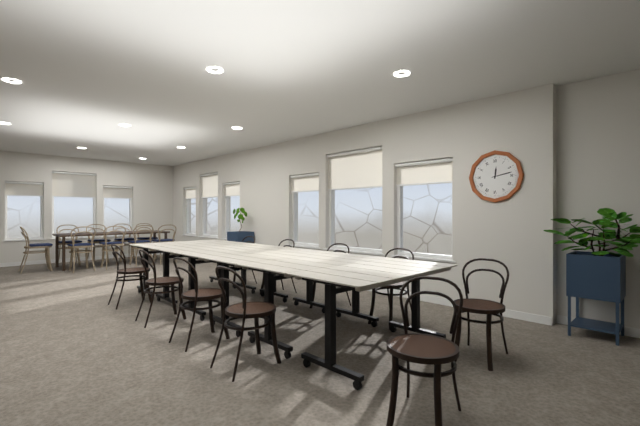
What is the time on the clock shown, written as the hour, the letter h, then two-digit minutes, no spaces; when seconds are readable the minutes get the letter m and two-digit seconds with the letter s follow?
12h13
